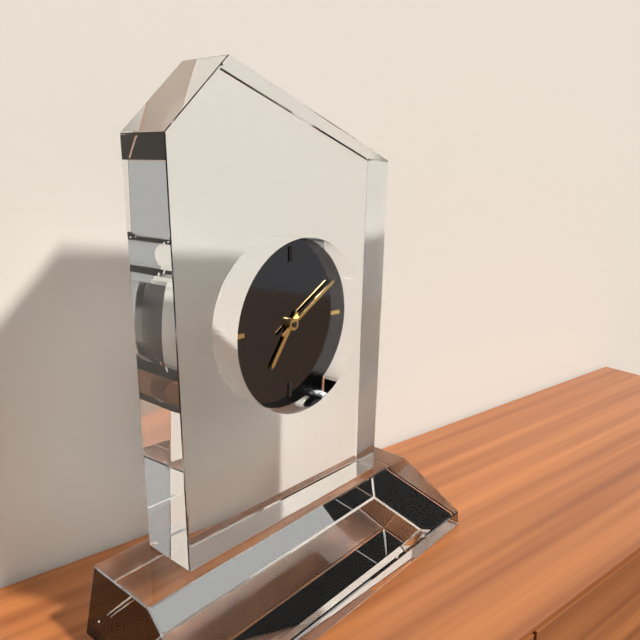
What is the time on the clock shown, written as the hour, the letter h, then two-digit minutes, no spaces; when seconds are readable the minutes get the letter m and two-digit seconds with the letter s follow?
7h10
